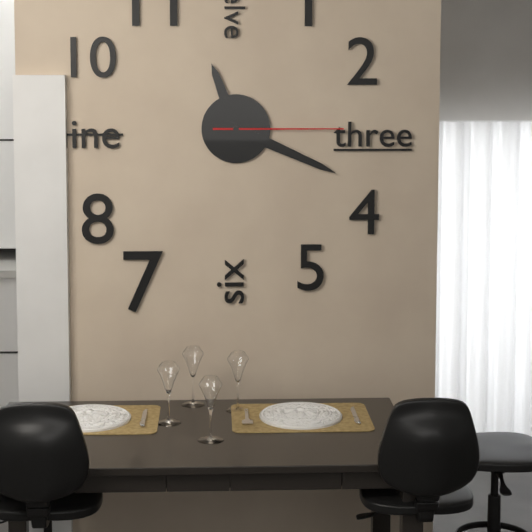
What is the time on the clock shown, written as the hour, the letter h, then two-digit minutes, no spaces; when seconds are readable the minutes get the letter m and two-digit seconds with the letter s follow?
11h19m15s
